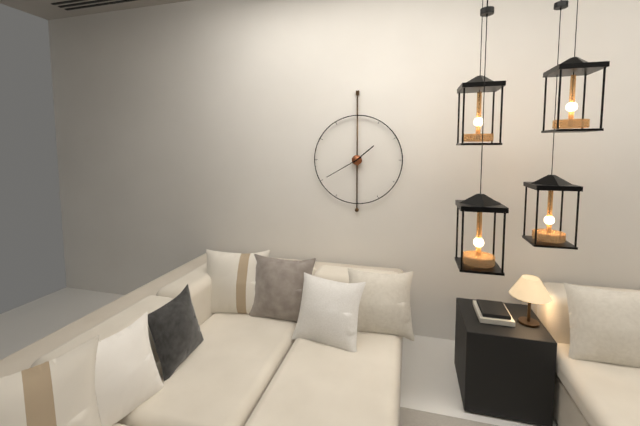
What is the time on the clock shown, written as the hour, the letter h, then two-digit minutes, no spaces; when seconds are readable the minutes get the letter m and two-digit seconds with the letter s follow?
1h40
